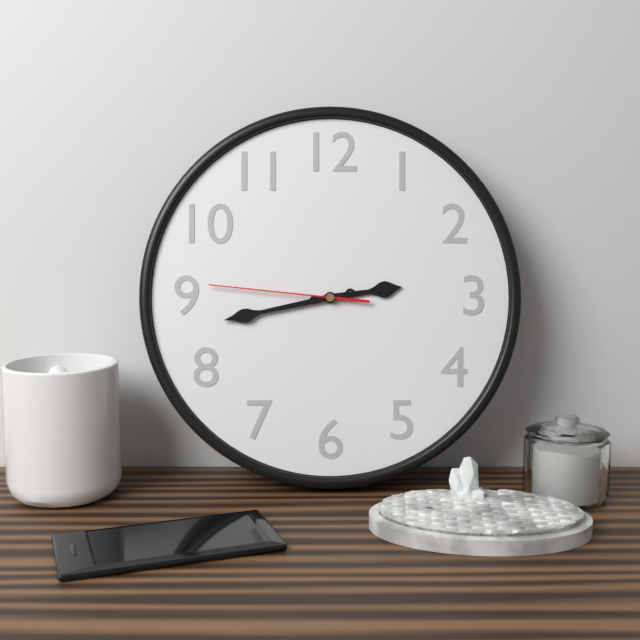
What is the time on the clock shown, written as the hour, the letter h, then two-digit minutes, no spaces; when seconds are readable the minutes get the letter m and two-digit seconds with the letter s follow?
2h43m46s
